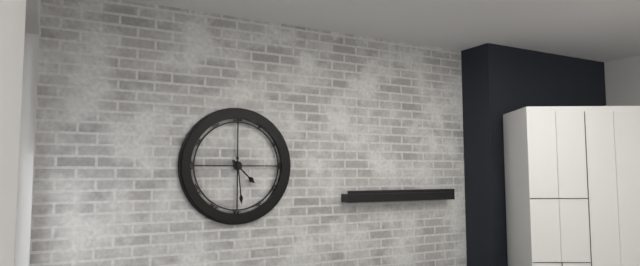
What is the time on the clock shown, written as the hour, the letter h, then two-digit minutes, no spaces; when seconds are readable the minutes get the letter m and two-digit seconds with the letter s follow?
4h29
